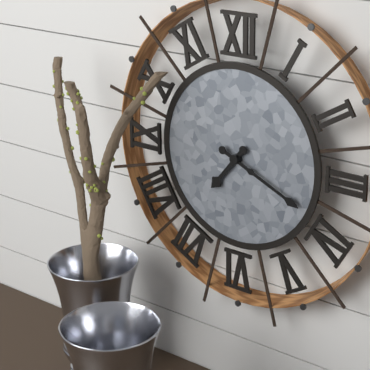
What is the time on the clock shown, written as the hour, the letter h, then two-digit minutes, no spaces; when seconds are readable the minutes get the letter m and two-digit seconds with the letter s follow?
7h19
